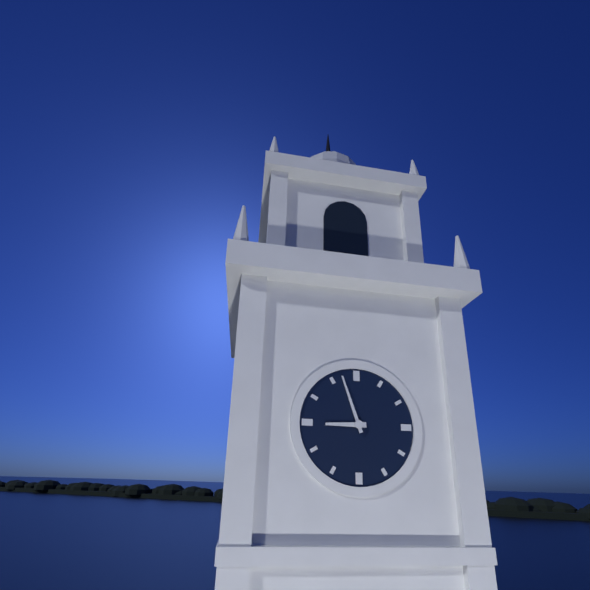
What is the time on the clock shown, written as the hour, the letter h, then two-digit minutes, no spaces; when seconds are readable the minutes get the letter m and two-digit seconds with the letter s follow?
8h57
